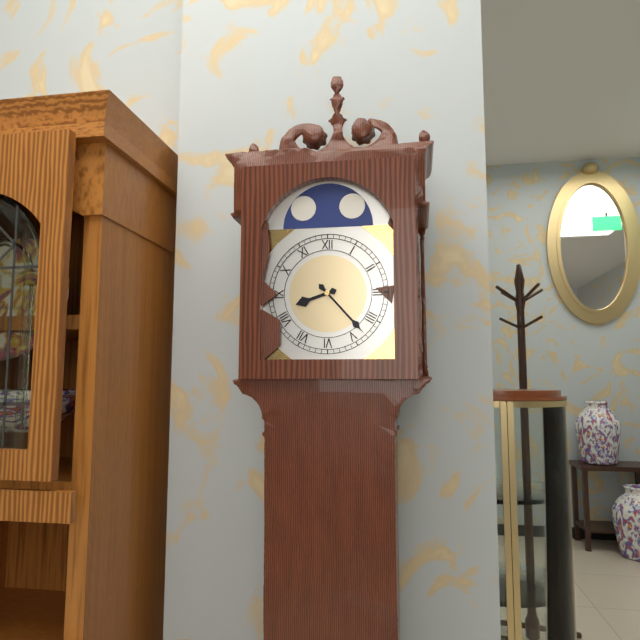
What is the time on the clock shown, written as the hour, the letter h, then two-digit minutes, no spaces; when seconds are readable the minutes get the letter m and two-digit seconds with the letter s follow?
8h23
